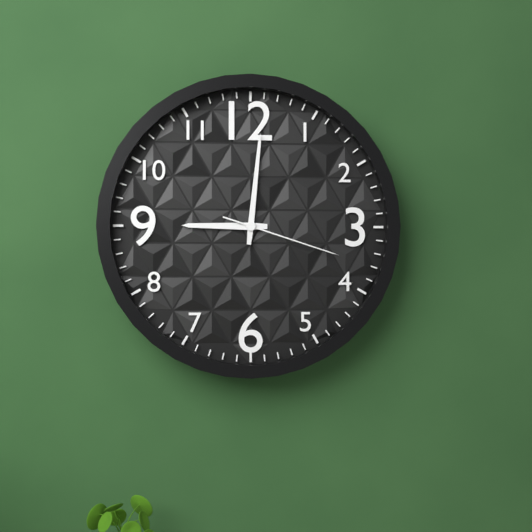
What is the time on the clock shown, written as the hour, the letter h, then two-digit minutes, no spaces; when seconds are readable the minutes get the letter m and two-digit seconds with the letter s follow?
9h01m18s
